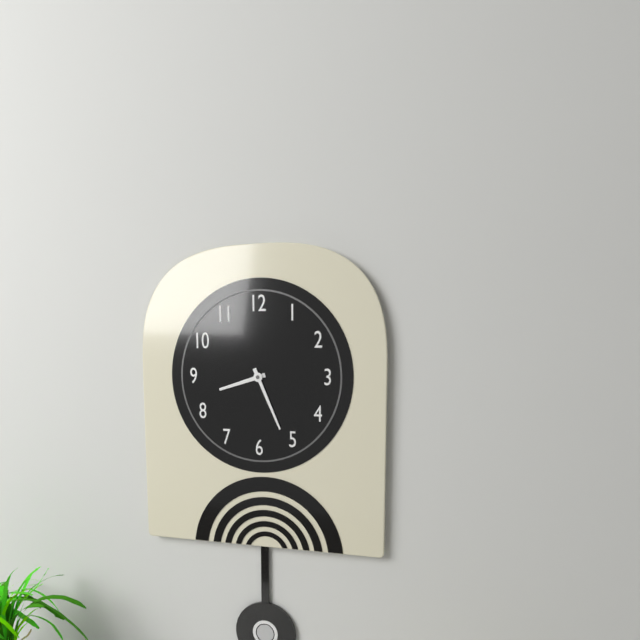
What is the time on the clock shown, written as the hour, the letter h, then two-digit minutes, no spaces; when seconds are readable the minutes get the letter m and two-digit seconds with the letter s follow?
8h26
